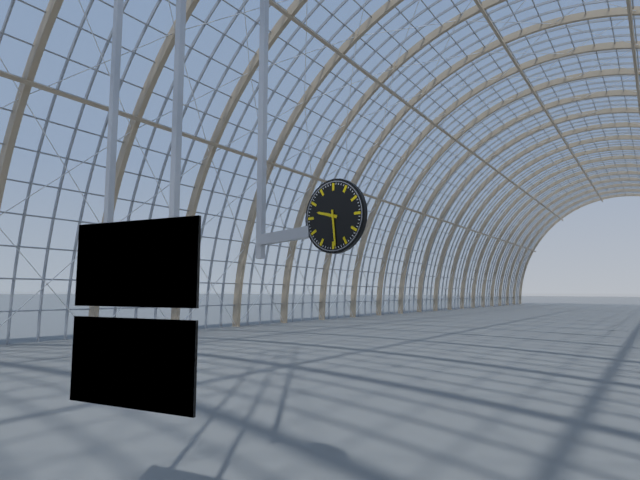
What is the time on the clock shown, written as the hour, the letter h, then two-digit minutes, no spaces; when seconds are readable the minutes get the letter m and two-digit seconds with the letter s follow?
9h29
